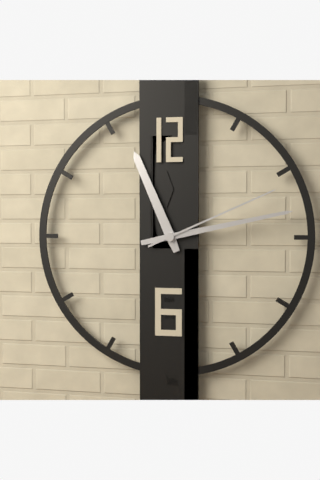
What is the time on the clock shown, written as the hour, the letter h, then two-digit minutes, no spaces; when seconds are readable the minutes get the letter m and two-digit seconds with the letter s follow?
11h13m11s
